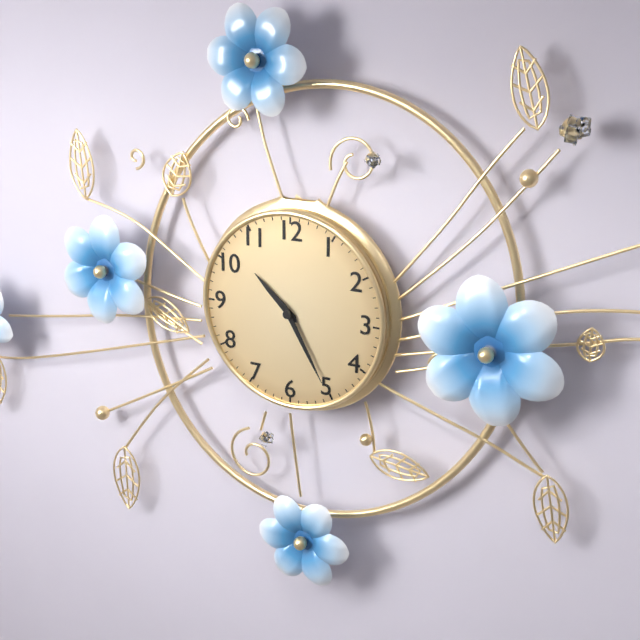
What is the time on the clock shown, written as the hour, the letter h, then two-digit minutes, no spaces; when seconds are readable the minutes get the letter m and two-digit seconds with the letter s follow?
10h25
